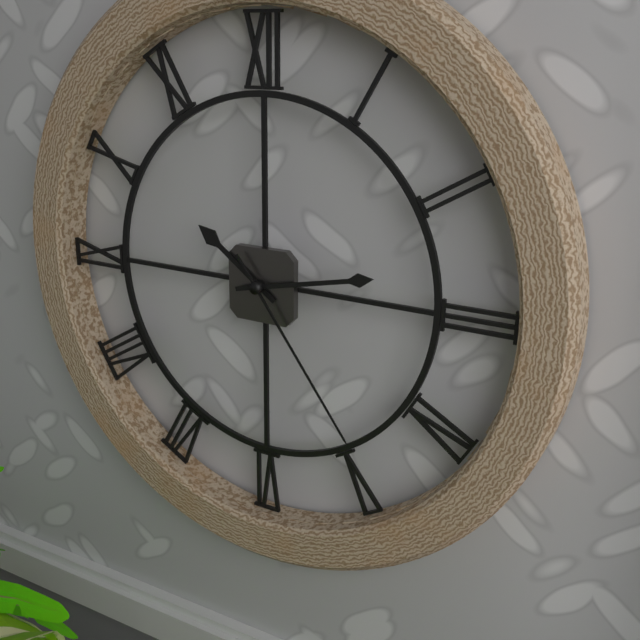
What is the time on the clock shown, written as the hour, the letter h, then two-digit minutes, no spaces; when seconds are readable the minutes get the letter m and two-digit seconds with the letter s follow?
10h13m24s
